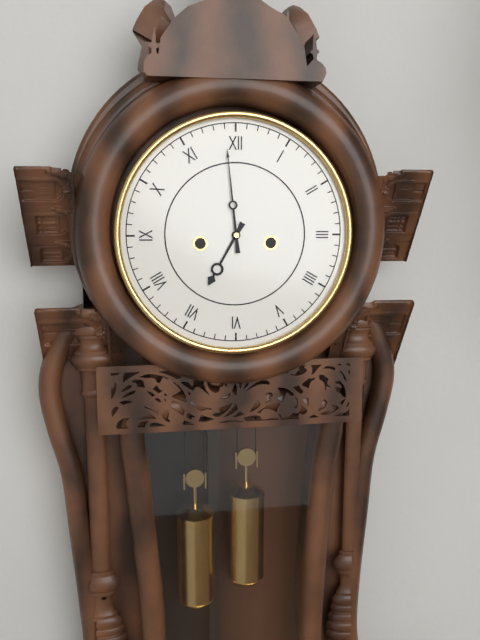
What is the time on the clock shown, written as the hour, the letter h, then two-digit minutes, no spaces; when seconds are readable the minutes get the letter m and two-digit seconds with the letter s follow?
6h59
